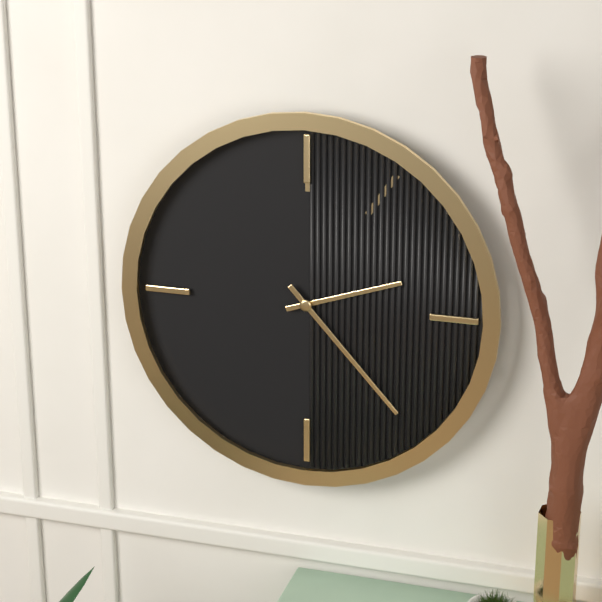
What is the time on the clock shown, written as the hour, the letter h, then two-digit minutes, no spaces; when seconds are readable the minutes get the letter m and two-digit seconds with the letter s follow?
2h23
